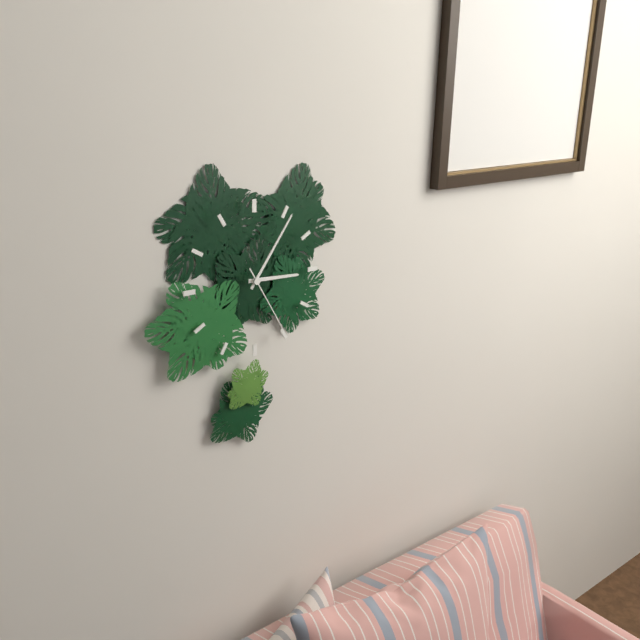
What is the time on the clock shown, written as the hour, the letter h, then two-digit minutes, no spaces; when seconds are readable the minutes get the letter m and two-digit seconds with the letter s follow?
3h06m25s
